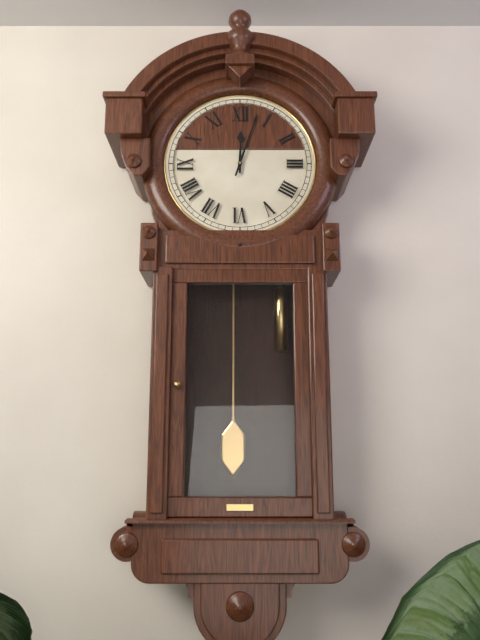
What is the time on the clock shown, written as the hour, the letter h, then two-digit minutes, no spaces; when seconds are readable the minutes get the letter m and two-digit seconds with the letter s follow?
12h03
